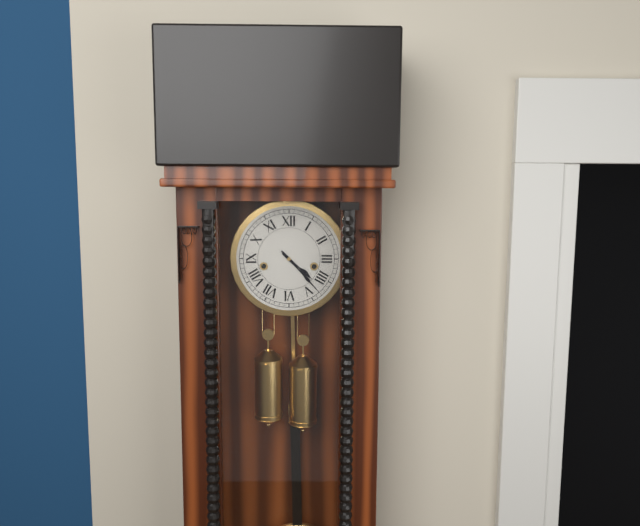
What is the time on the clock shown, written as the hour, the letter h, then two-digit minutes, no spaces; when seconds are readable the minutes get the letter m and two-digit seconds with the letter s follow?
4h23
